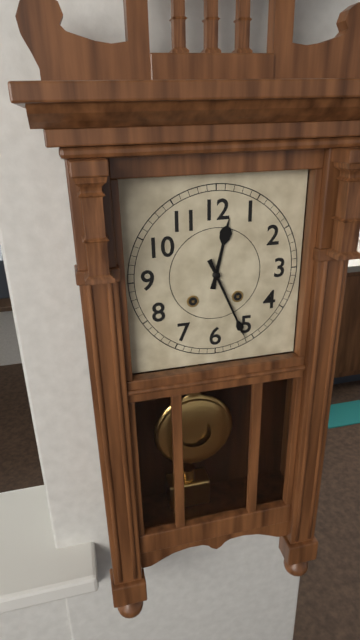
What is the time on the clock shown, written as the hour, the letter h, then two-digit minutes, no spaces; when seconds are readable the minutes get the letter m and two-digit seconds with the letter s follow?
12h26
